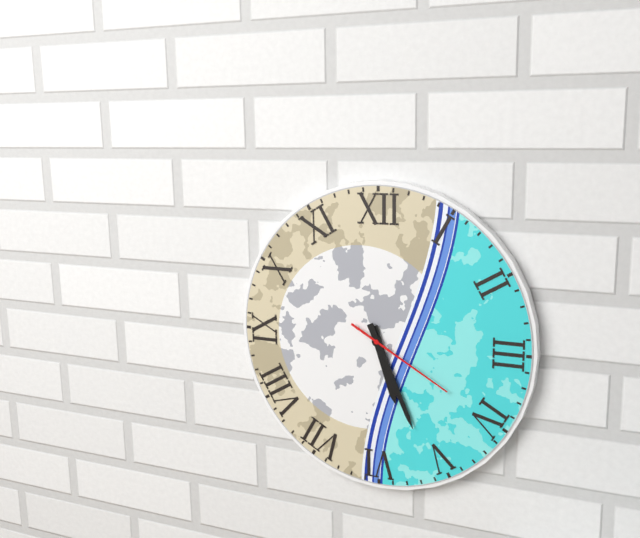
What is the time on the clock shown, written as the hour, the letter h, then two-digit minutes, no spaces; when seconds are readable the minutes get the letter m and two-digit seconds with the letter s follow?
5h26m20s
